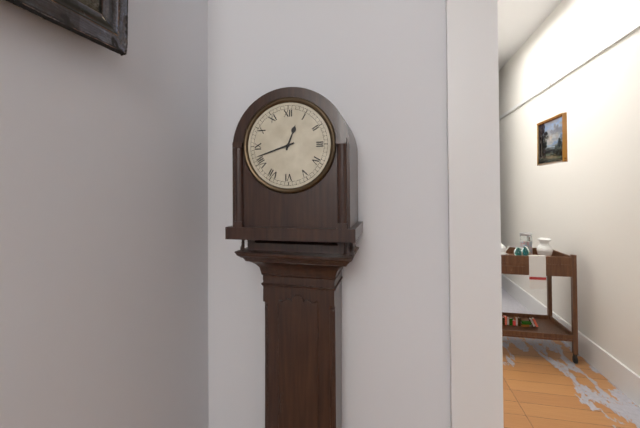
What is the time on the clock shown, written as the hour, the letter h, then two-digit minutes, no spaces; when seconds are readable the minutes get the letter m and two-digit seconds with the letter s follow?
12h42
